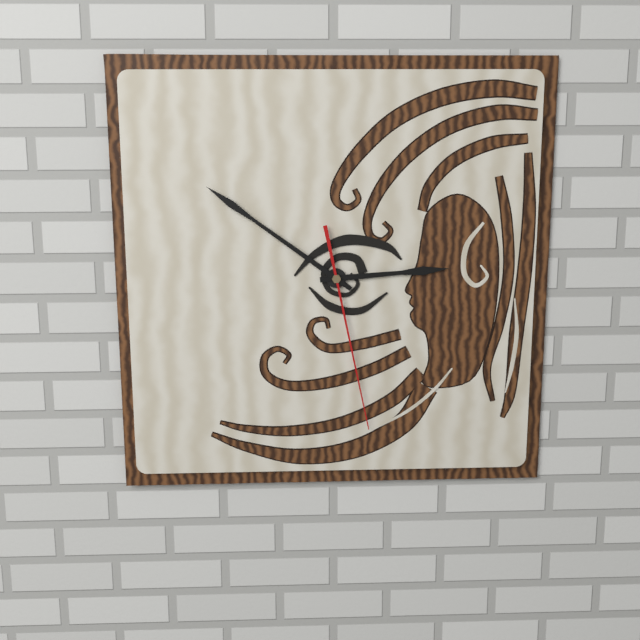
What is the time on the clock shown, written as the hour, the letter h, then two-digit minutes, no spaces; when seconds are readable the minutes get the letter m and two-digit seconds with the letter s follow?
2h51m28s
